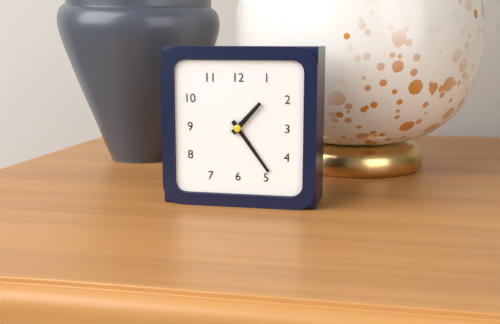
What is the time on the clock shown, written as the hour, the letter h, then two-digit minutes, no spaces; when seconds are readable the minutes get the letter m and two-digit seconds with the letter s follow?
1h24
